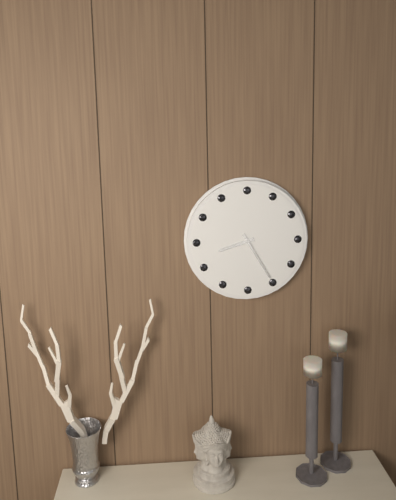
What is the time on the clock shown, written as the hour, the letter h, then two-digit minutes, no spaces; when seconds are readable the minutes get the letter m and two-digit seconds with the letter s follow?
8h25
